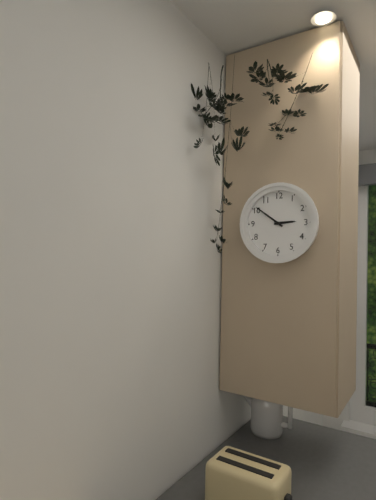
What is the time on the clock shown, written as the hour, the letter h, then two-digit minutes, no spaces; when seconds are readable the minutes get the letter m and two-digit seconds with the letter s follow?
2h51
